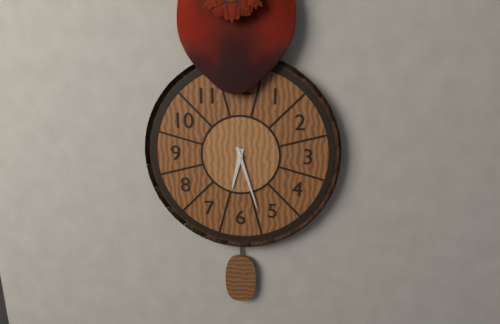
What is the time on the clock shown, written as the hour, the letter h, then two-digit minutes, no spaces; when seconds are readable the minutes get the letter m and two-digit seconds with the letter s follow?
6h27
